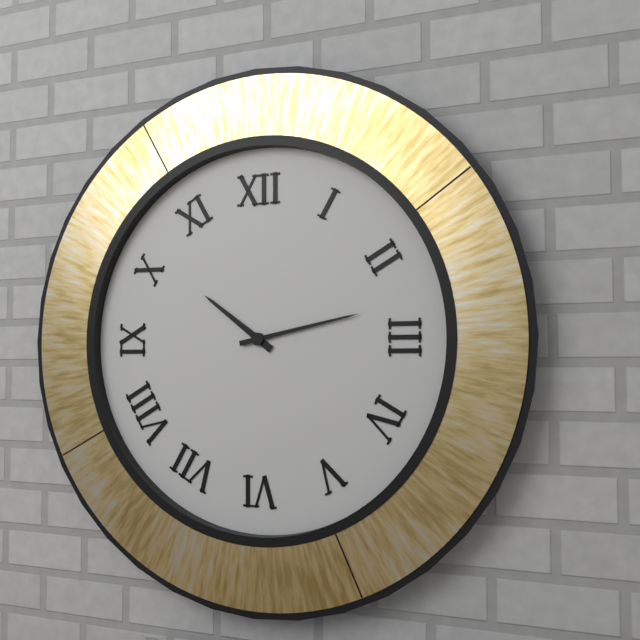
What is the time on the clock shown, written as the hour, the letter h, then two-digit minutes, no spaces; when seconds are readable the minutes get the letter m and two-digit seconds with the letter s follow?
10h13
